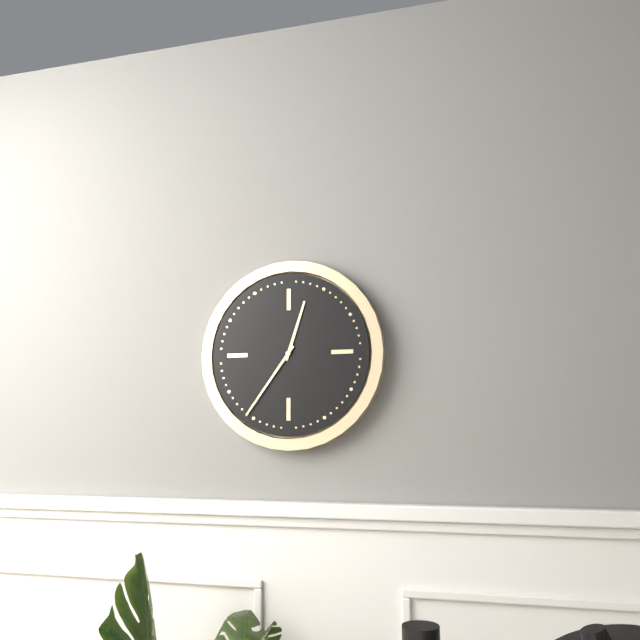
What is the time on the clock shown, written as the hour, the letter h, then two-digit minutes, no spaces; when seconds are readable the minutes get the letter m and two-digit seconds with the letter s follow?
12h36
